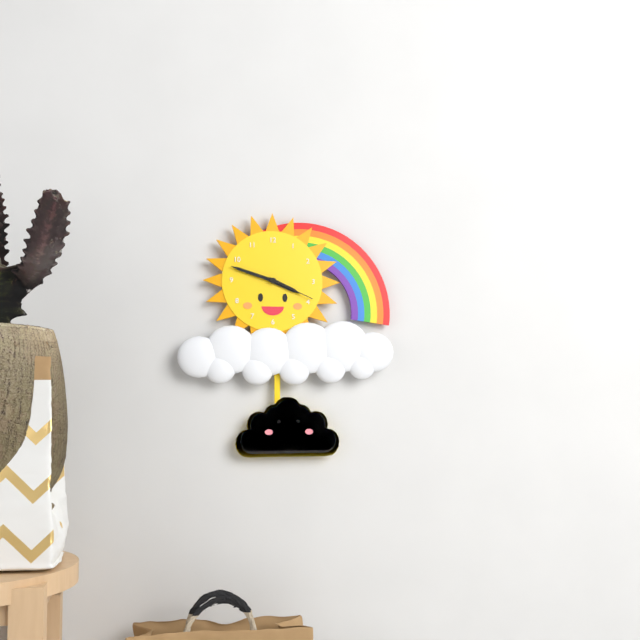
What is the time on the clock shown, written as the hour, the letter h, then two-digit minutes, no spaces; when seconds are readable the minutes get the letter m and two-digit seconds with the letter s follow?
3h48m19s
